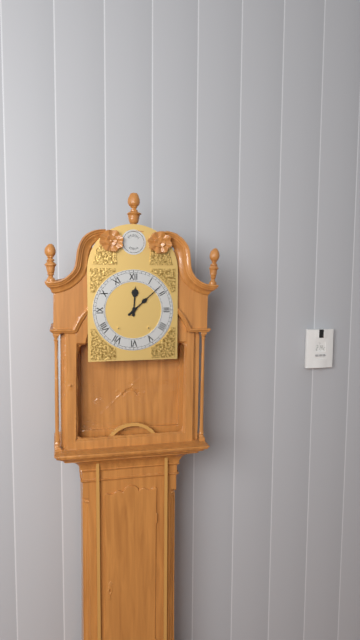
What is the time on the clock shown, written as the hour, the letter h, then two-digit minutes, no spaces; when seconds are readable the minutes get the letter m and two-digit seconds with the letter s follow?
12h08
